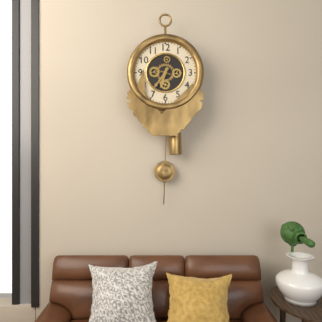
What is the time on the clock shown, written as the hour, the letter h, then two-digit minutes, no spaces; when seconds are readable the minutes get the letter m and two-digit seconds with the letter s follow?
6h36
